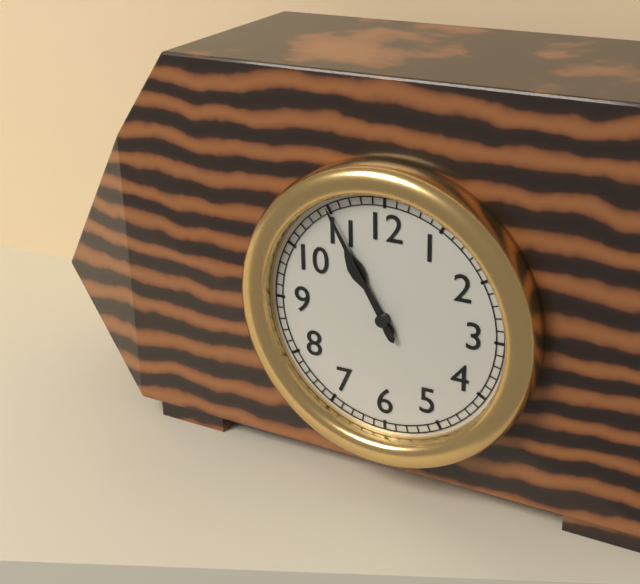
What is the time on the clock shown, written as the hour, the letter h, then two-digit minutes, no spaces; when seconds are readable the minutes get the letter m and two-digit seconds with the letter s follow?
10h55
